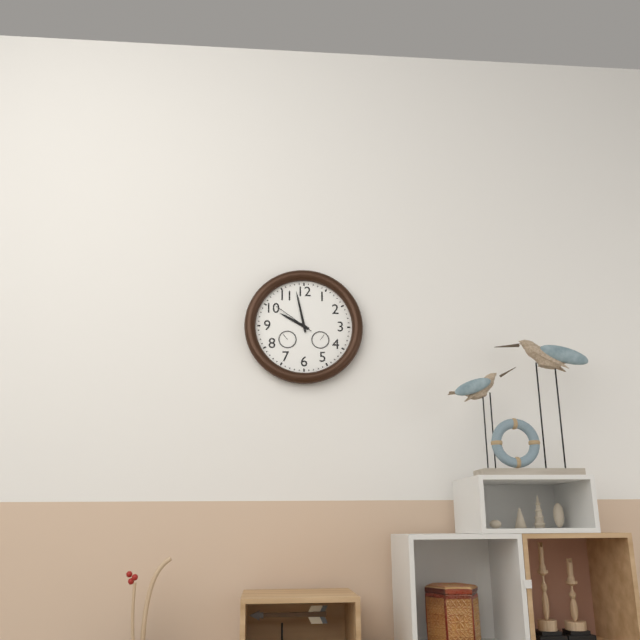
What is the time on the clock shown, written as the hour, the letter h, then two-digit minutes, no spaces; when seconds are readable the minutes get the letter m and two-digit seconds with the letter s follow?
9h58
